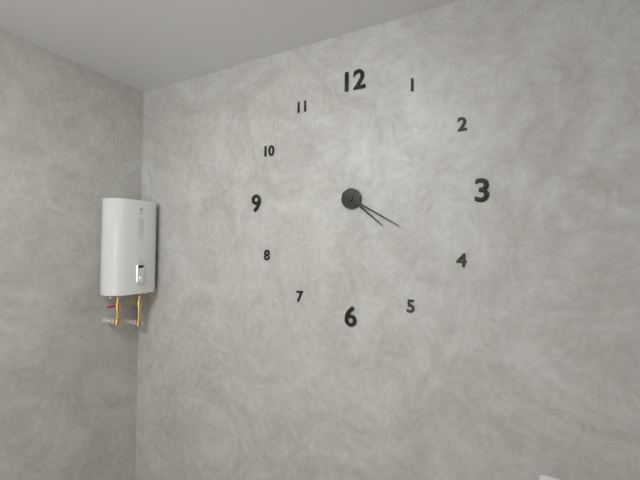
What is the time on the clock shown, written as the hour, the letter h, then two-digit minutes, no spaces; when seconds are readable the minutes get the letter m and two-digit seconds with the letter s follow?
4h20
